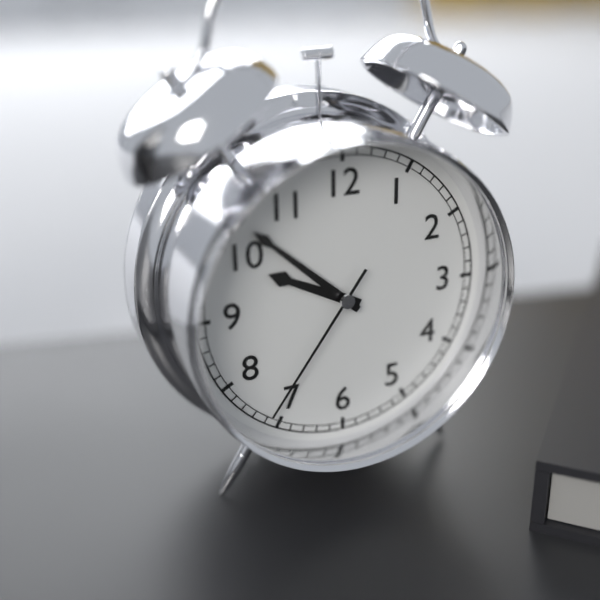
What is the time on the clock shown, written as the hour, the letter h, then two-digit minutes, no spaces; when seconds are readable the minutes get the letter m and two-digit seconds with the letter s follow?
9h52m36s
